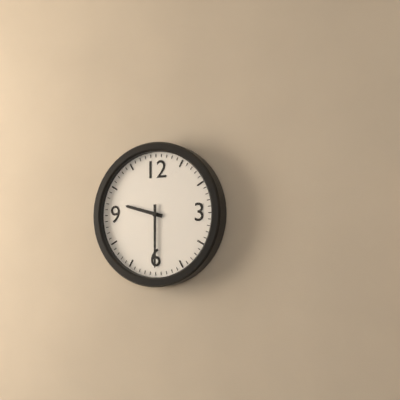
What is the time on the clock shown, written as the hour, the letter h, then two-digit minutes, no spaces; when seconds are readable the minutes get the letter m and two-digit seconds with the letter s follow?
9h30
